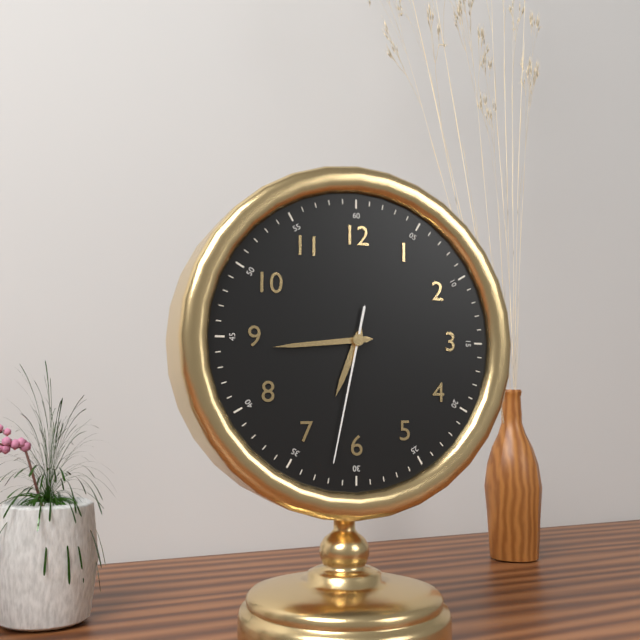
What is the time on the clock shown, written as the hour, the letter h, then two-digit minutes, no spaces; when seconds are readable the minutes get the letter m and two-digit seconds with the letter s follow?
6h44m32s
